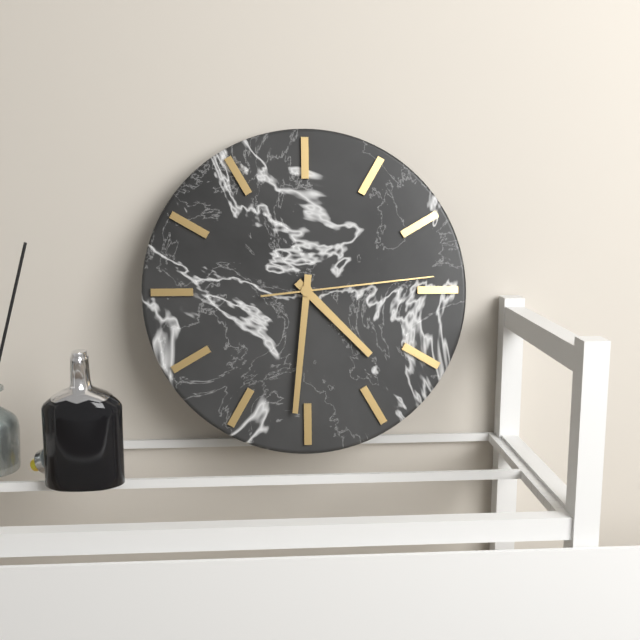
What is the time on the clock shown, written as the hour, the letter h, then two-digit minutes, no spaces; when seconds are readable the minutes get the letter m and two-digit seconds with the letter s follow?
4h31m14s
